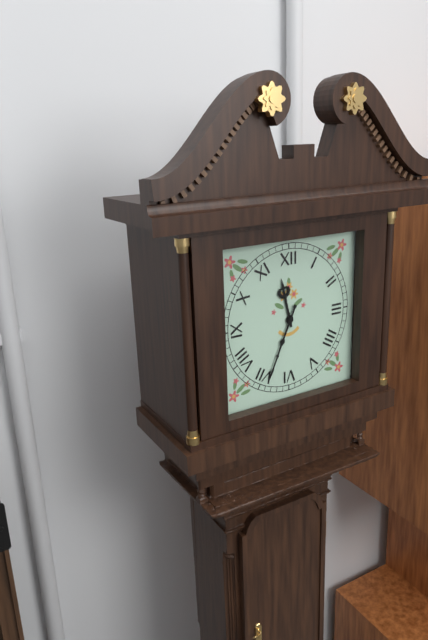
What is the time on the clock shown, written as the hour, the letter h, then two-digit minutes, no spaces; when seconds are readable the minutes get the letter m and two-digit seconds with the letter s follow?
11h34
